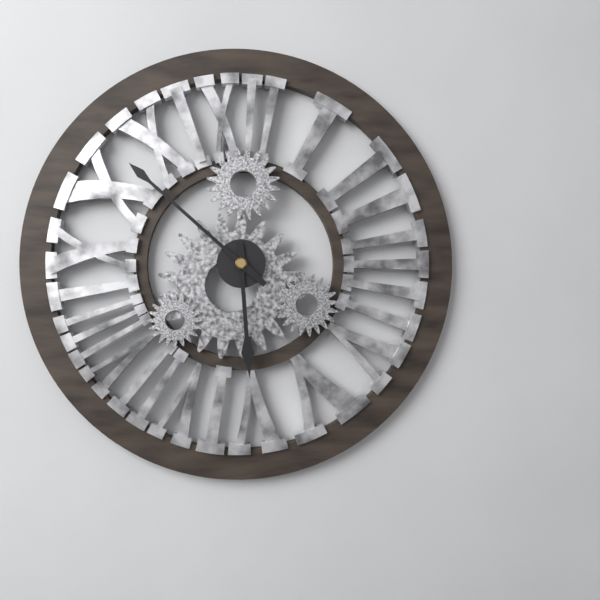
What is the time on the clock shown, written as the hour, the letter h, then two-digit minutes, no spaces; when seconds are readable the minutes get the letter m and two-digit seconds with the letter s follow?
5h52
